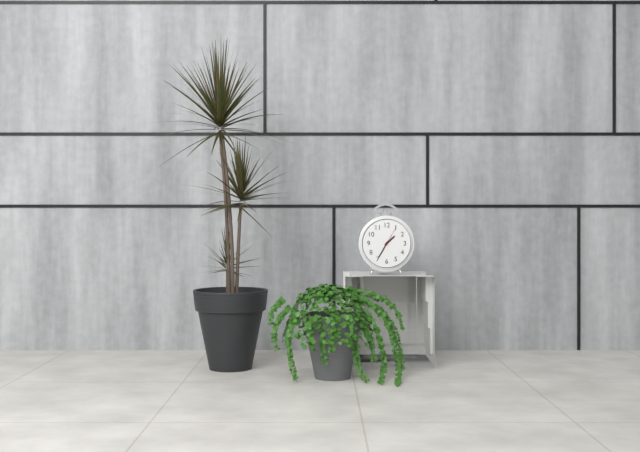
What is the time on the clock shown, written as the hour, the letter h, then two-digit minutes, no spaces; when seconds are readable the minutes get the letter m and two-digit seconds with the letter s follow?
1h35
